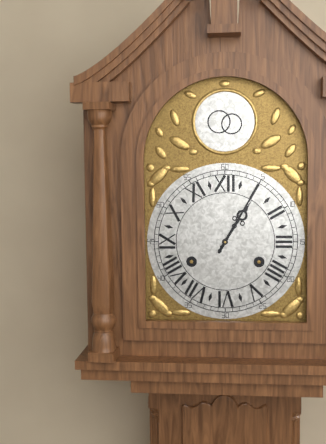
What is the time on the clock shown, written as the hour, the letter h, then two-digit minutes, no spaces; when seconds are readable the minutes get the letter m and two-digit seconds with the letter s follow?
1h05
